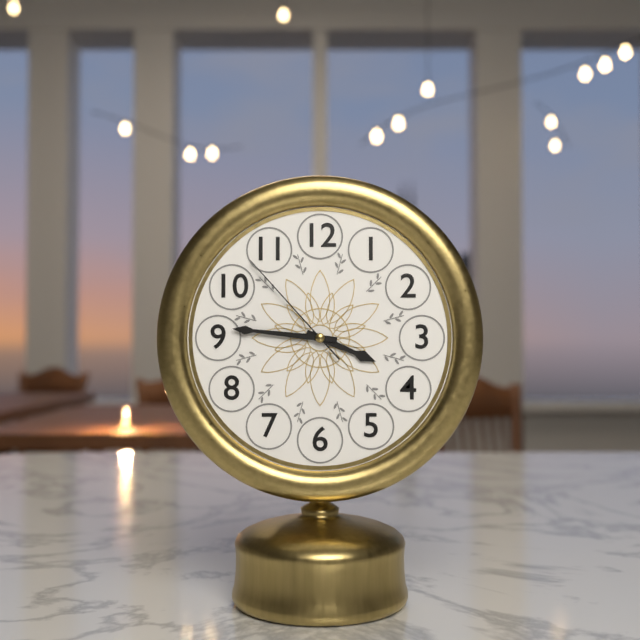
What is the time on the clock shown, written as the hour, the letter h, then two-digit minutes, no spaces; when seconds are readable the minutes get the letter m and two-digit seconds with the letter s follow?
3h46m53s
